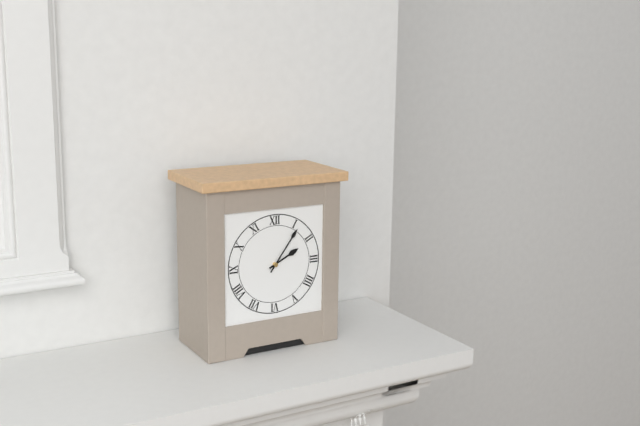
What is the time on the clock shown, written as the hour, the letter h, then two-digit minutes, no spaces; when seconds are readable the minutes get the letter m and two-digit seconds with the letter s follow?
2h06
